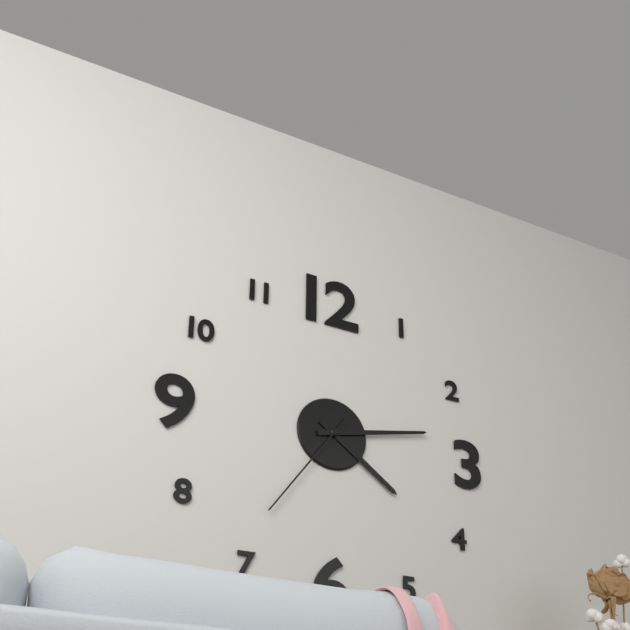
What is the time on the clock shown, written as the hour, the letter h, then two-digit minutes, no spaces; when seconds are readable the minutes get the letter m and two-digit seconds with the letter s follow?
4h13m36s
